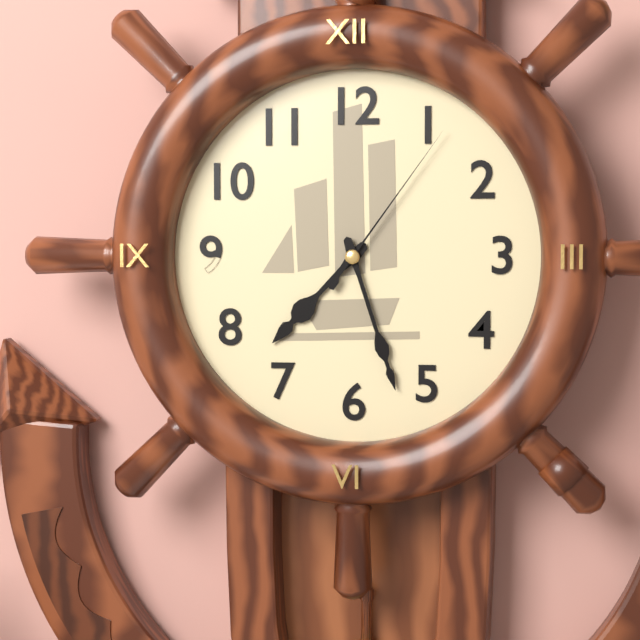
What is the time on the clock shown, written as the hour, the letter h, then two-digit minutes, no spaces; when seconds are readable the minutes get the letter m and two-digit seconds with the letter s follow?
7h27m06s
